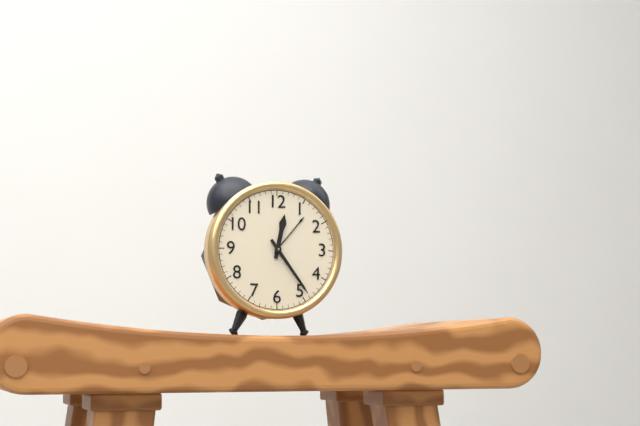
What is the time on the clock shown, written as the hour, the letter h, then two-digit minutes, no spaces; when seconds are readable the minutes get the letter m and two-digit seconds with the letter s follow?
12h24
